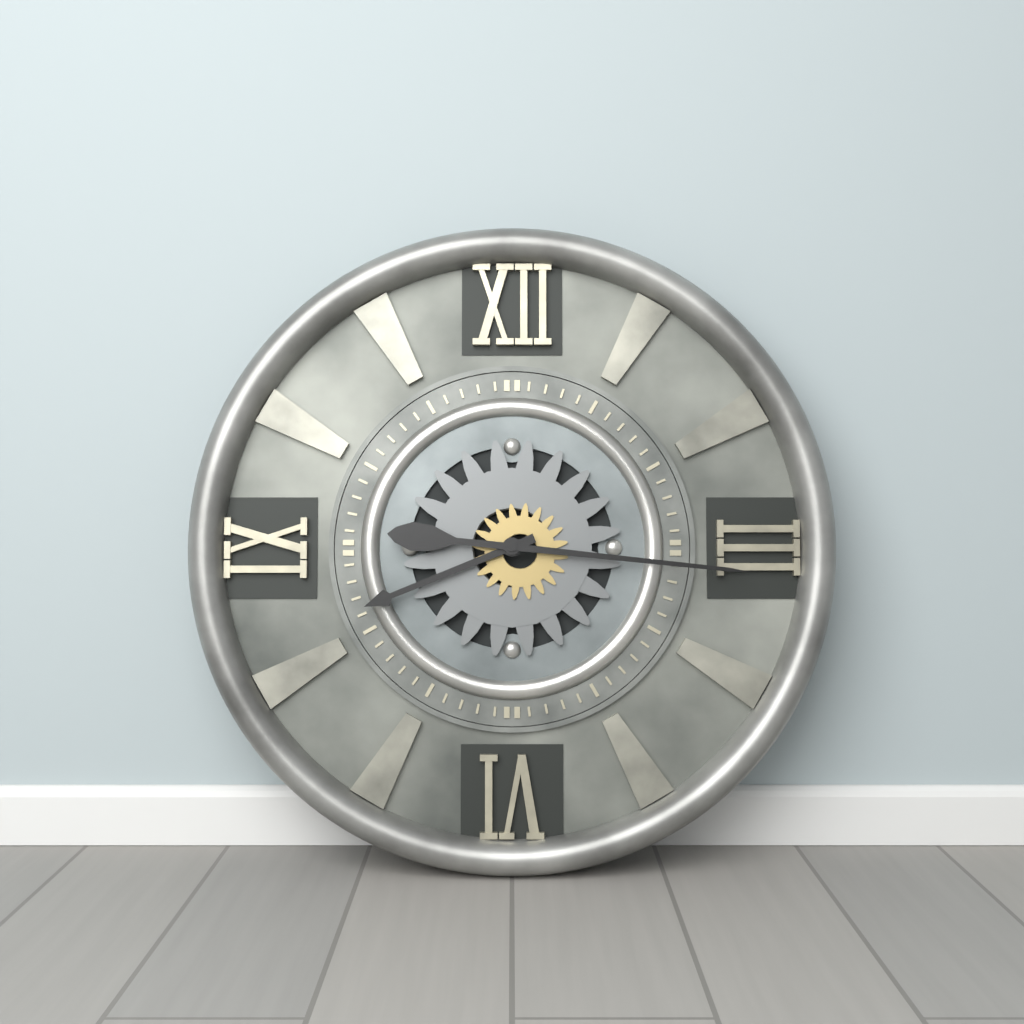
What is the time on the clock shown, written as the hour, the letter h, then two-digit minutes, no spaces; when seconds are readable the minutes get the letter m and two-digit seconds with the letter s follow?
8h16
